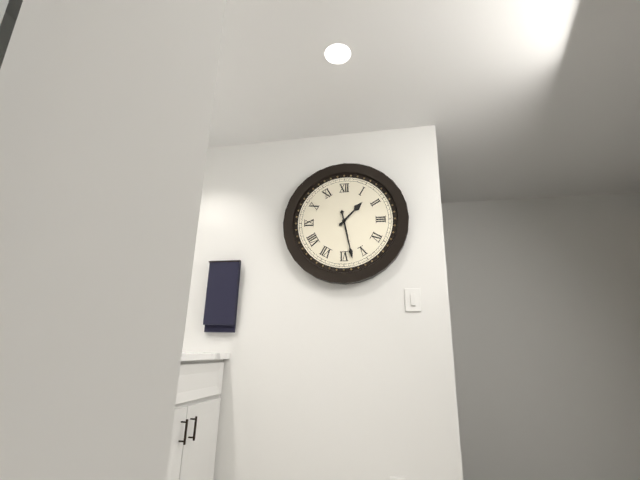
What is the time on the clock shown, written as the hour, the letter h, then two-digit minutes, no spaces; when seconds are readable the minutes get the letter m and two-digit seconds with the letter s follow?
1h28
